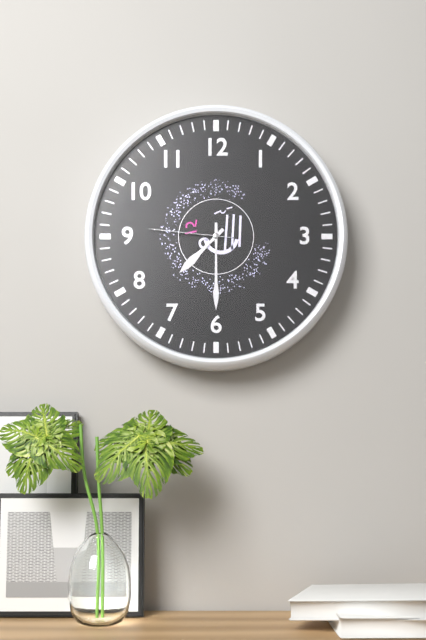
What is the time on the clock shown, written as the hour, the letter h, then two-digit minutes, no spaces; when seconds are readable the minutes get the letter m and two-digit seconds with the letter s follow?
7h30m46s
